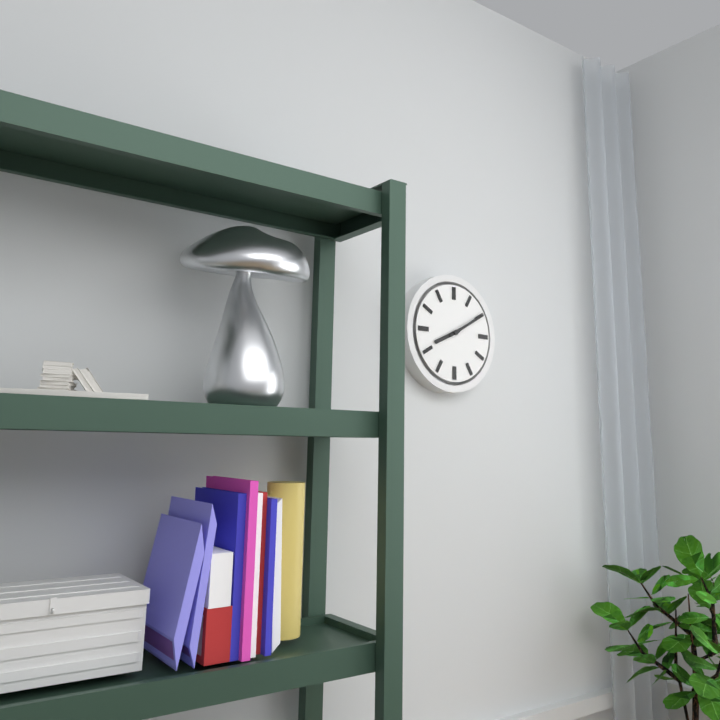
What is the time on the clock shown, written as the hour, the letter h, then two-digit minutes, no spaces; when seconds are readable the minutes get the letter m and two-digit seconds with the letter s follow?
8h10
